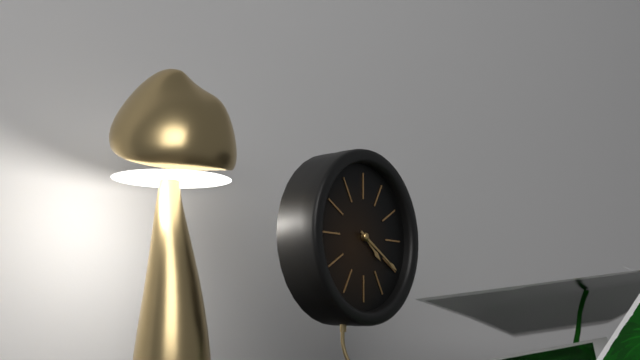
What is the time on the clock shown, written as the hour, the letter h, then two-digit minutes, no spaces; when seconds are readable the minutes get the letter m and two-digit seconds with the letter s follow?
4h20
